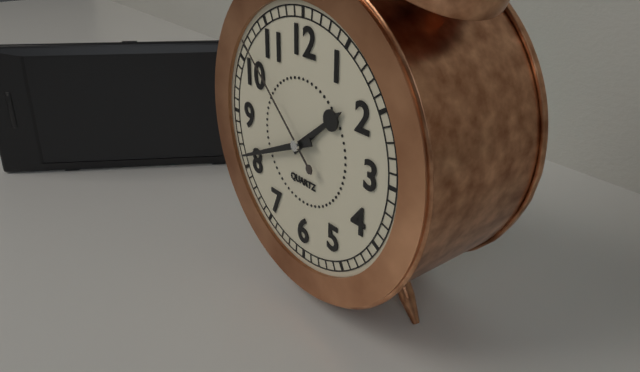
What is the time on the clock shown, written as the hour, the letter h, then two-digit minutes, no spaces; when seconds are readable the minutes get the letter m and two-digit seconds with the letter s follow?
1h41m52s
